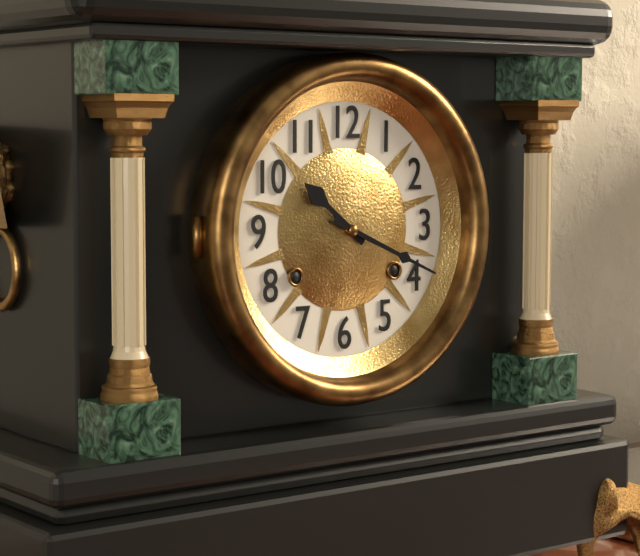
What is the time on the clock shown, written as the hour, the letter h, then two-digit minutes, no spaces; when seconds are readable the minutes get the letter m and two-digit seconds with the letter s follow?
10h19
